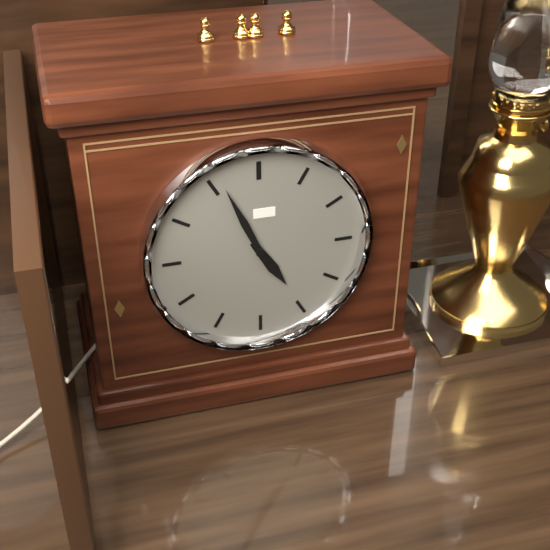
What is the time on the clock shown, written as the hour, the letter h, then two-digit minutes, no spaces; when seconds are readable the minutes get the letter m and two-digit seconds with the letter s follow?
4h56
